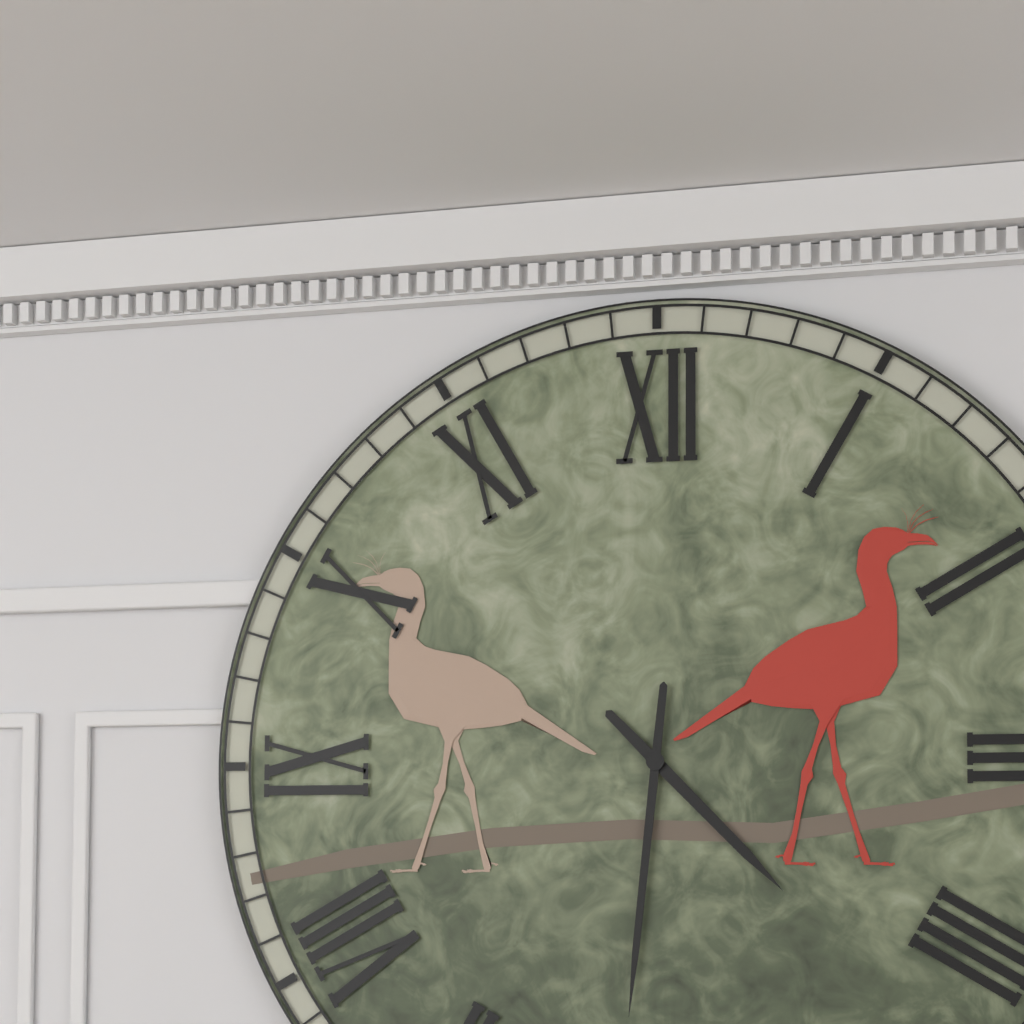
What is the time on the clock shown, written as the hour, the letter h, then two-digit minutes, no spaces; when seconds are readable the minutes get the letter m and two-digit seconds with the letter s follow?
4h31
